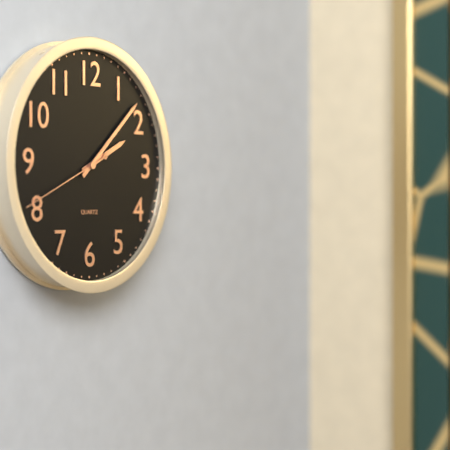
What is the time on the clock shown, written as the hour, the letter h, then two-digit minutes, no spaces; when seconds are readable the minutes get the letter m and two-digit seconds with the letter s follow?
2h08m41s
